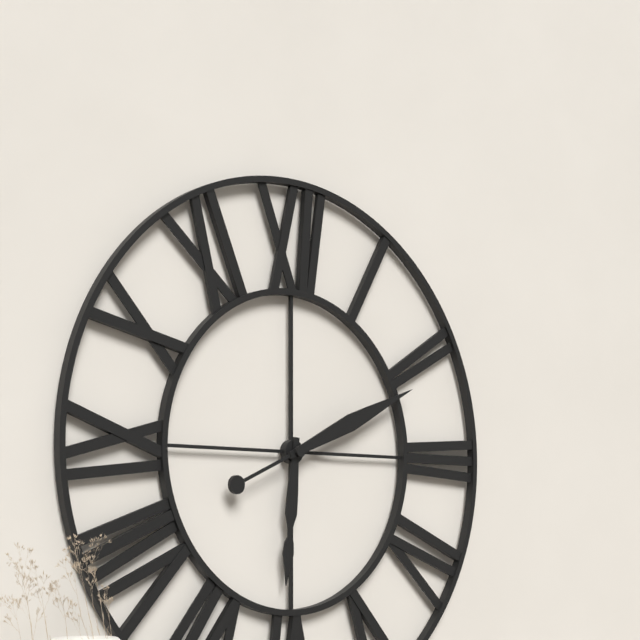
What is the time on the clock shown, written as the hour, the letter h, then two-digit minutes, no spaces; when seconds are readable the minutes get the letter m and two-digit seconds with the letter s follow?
6h11
